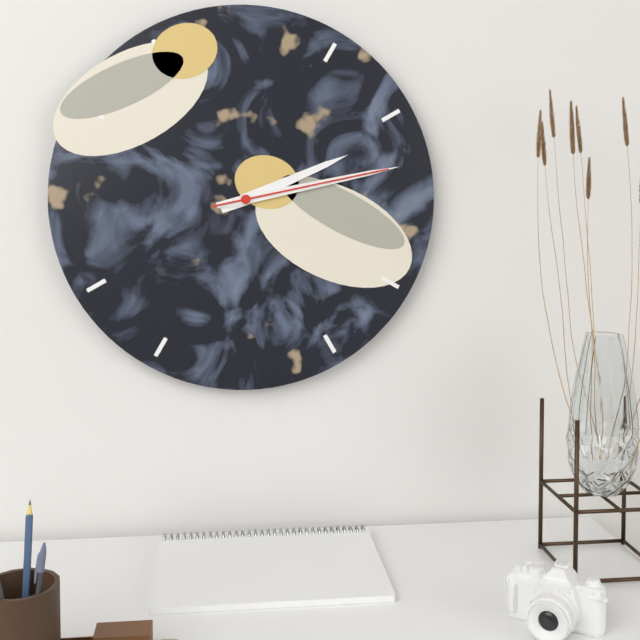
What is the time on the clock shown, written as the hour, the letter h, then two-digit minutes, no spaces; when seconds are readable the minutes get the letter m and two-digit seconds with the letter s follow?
2h13m13s
